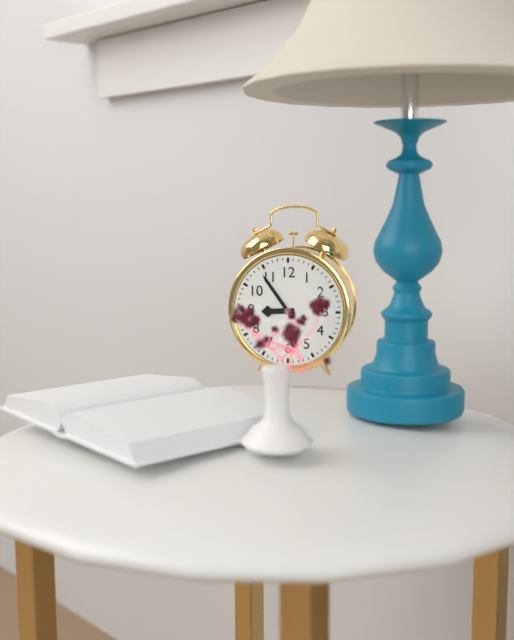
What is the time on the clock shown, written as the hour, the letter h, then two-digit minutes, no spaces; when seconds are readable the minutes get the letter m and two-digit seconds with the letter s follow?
8h54
